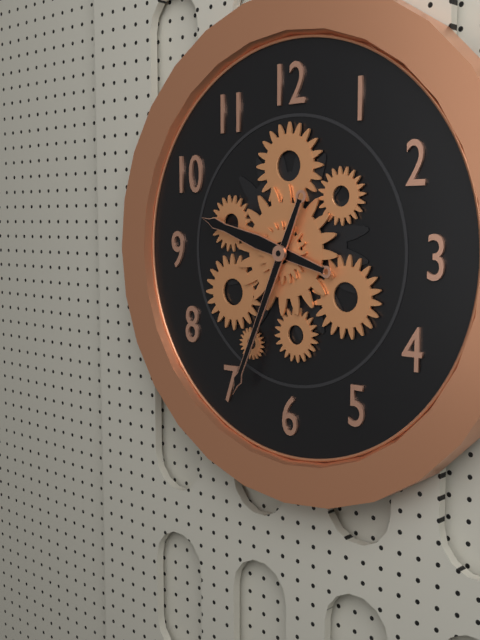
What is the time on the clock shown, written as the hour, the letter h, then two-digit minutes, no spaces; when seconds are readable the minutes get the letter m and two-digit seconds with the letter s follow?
9h34
